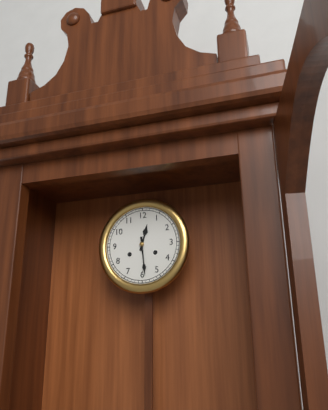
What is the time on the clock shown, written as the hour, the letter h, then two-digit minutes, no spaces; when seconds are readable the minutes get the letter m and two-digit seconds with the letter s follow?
12h29
